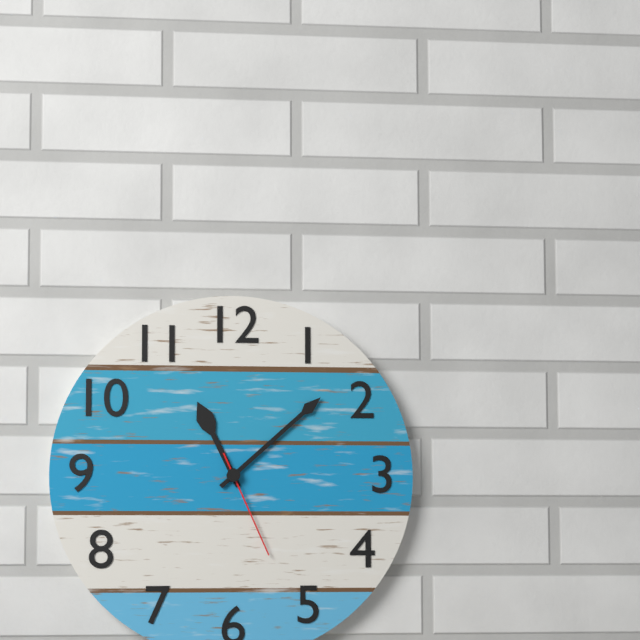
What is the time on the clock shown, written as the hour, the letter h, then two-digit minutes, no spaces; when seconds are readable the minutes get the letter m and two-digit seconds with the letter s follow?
11h08m26s
